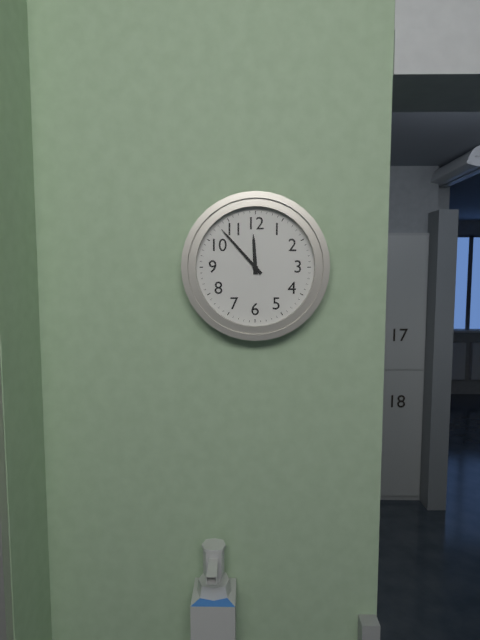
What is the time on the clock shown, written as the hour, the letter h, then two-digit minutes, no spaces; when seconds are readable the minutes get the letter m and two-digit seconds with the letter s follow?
11h53
